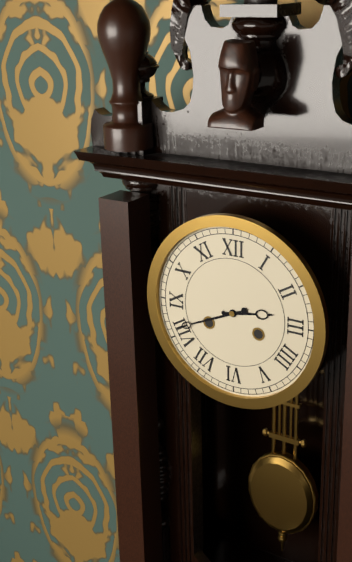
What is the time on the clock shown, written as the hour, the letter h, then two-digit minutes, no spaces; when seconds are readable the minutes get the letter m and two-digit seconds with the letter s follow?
2h41
